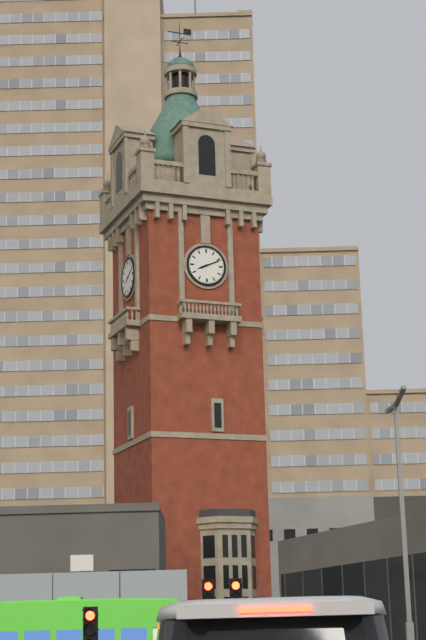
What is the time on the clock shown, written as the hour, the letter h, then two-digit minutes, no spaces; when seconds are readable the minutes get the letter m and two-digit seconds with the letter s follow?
8h11
